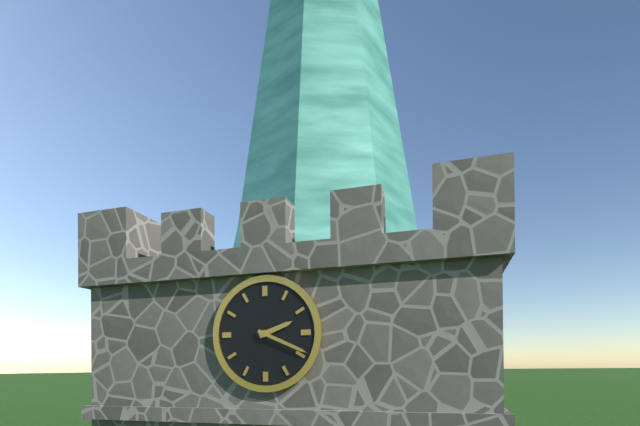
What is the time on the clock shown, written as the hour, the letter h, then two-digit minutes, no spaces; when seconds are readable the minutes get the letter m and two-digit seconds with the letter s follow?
2h19
